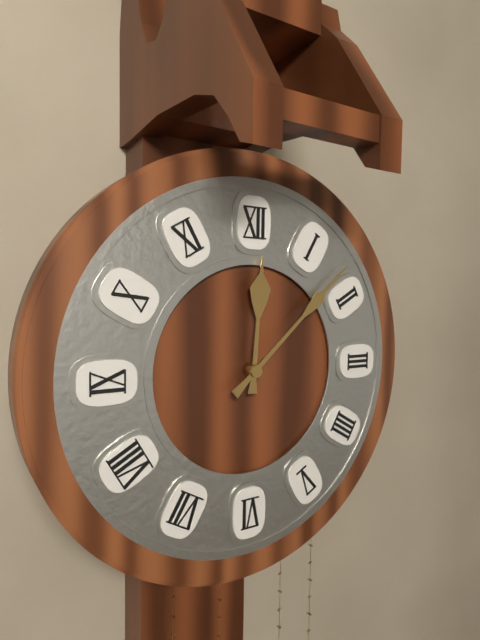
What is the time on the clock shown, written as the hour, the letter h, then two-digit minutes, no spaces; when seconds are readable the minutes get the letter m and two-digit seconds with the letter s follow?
12h08
